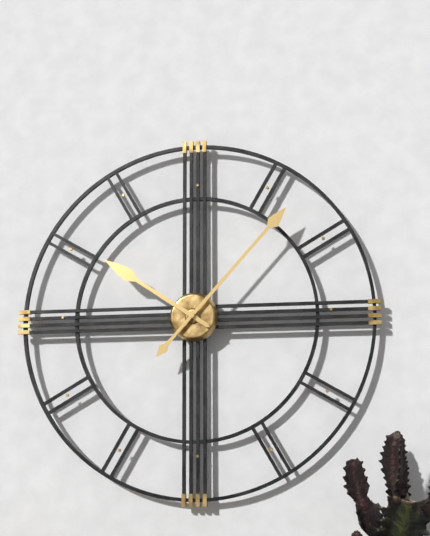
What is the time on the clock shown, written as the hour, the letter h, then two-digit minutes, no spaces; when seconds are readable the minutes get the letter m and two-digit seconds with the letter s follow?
10h07
